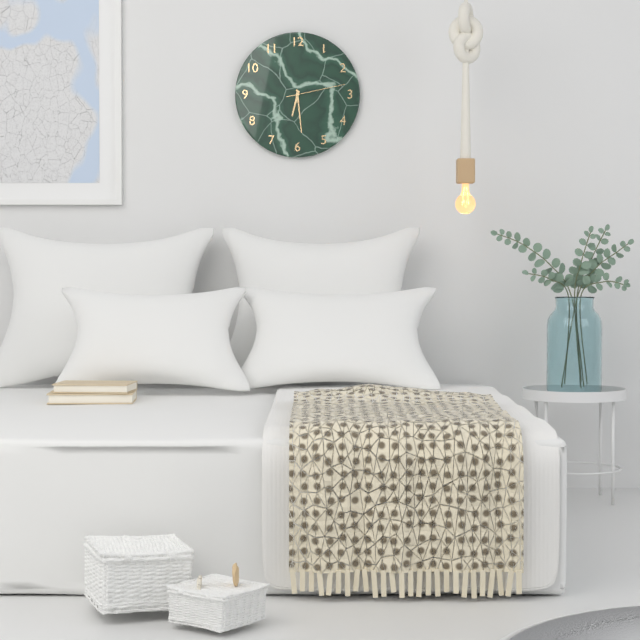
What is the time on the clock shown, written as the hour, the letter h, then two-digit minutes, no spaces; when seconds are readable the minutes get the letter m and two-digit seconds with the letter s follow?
6h29m13s
